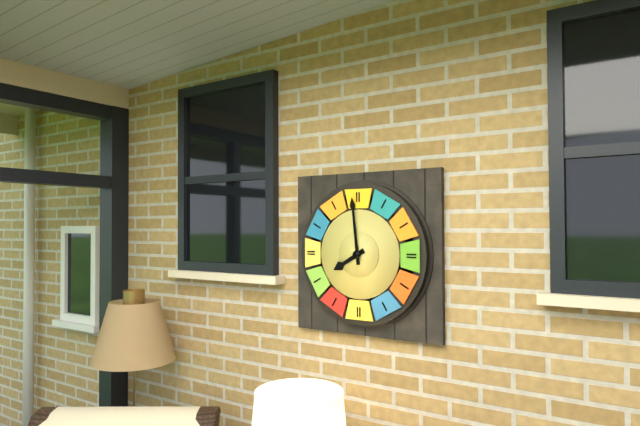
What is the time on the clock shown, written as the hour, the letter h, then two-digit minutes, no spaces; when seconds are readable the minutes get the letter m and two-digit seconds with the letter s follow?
7h59
